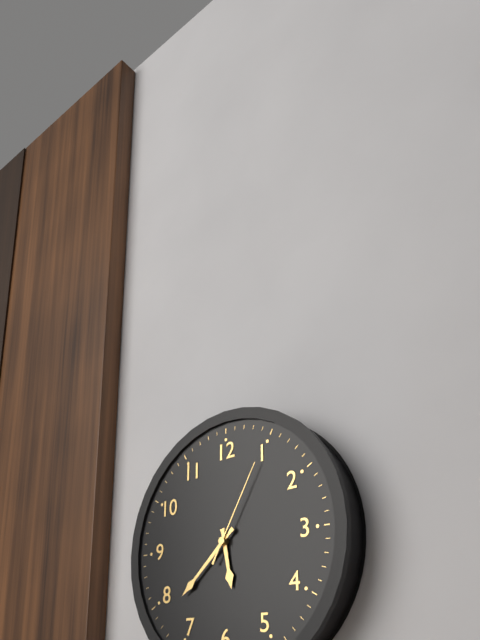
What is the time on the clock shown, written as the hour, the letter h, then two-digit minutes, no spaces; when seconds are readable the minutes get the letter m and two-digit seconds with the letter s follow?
5h38m05s
